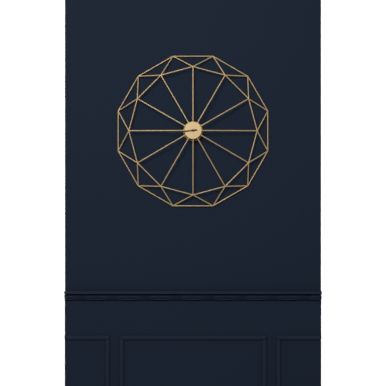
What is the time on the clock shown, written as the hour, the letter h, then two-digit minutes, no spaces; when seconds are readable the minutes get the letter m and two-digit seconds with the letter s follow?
8h44
